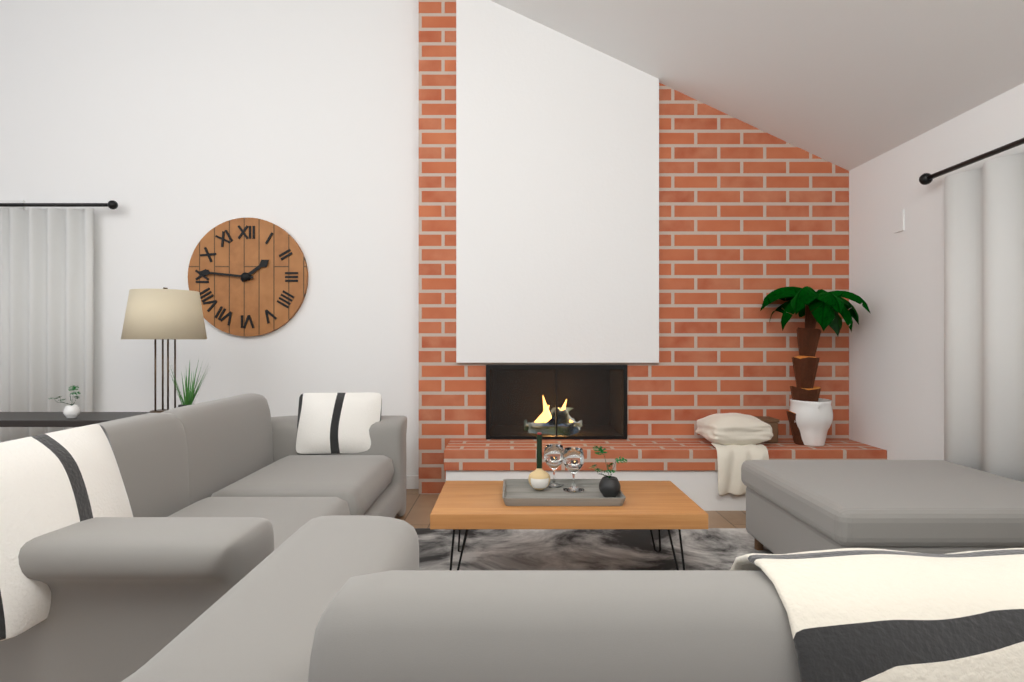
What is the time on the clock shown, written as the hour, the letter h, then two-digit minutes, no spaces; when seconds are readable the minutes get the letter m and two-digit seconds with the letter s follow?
1h46
